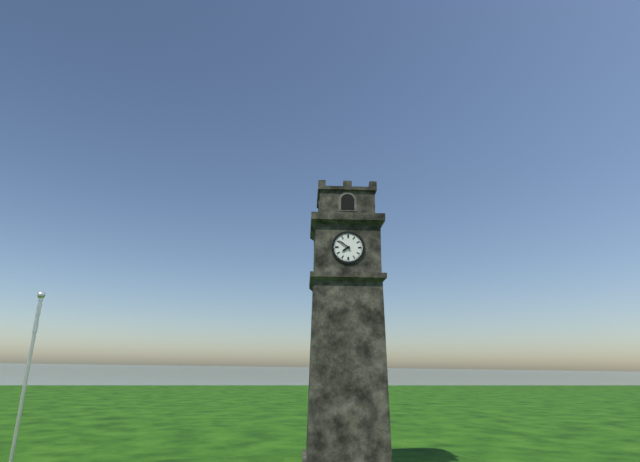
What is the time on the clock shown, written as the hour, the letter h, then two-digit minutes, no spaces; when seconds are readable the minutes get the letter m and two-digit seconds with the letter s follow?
7h51
